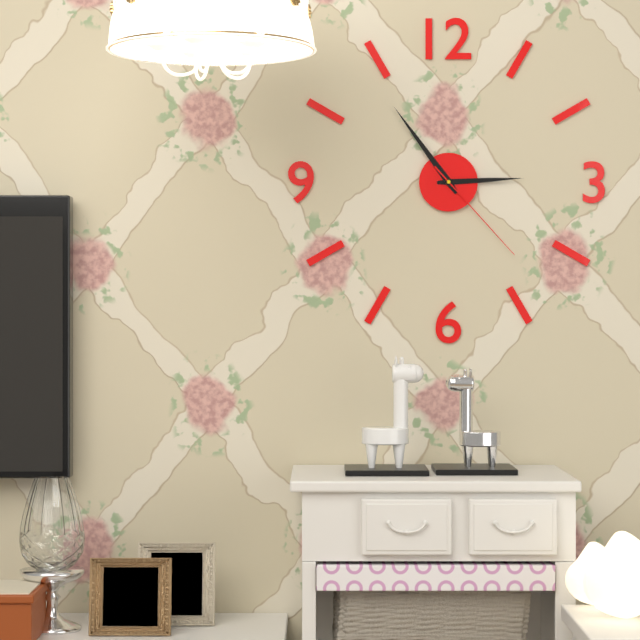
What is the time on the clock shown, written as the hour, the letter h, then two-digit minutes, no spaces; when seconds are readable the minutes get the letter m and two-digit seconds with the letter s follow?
2h54m23s
